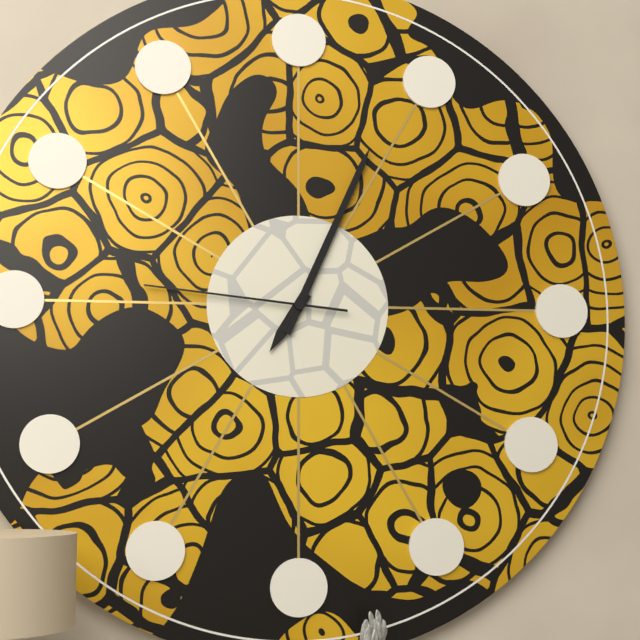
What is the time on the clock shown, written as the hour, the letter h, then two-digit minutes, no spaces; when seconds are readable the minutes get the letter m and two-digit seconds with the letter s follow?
7h04m46s
